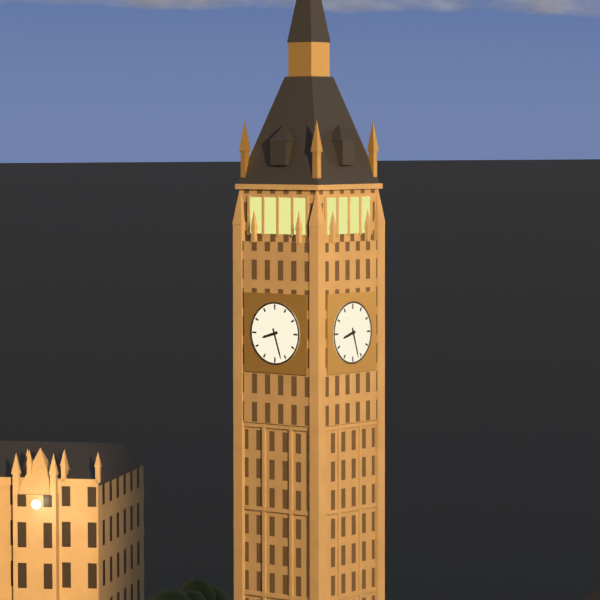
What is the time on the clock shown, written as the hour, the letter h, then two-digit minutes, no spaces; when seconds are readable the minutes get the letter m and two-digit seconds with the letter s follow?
8h27
